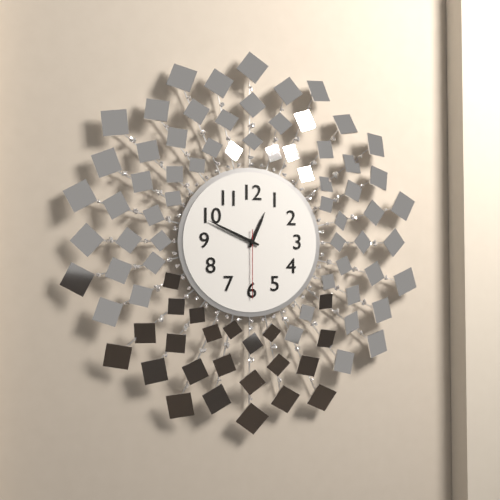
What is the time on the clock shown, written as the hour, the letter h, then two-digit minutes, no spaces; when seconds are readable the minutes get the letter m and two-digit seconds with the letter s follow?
12h49m30s
